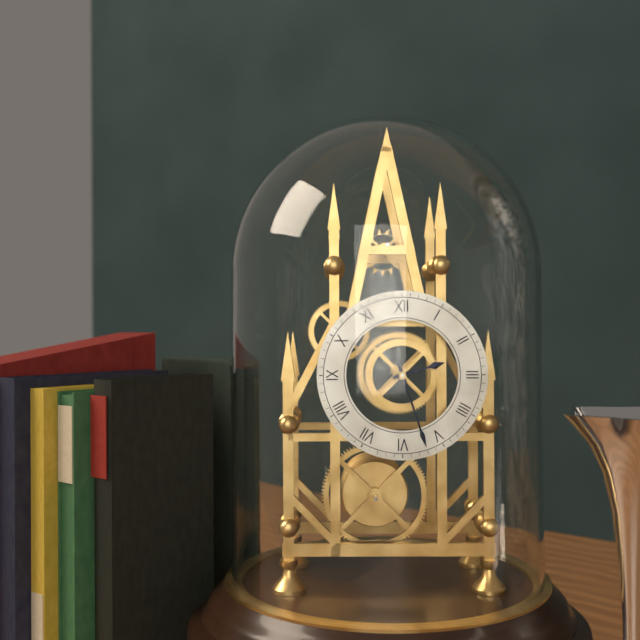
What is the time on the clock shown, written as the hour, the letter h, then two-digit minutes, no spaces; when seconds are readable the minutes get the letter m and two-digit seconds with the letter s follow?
2h27
